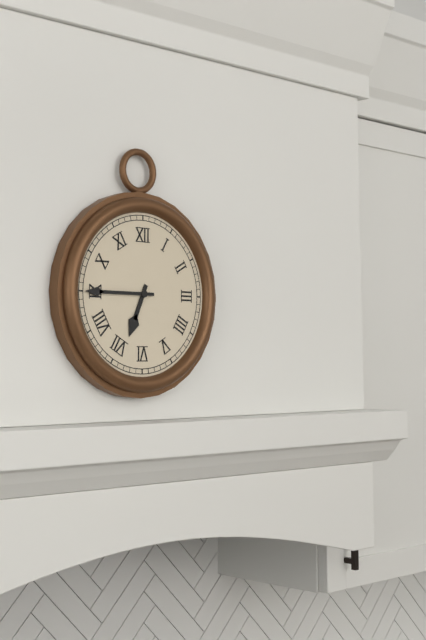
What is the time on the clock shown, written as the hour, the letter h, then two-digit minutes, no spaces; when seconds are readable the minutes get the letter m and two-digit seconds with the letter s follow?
6h45
